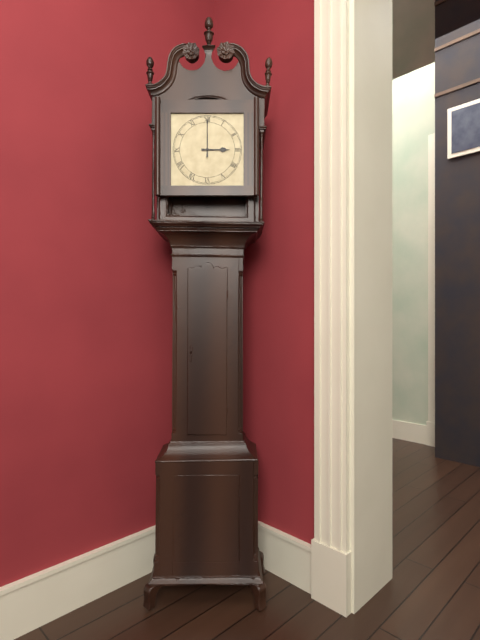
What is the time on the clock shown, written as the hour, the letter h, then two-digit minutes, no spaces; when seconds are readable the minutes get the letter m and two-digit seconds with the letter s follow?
3h00
